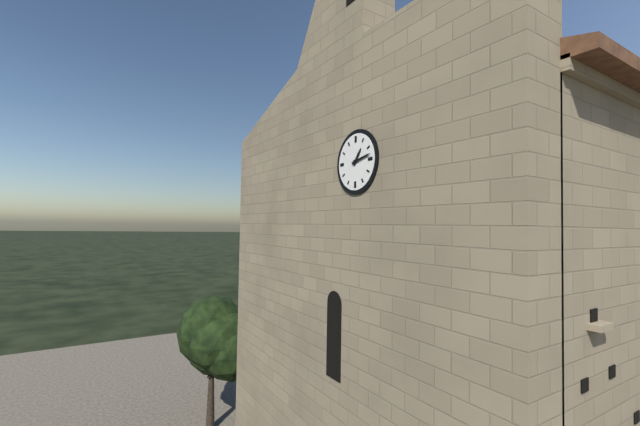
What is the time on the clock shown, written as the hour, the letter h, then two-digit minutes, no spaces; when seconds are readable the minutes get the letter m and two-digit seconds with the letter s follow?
1h13
